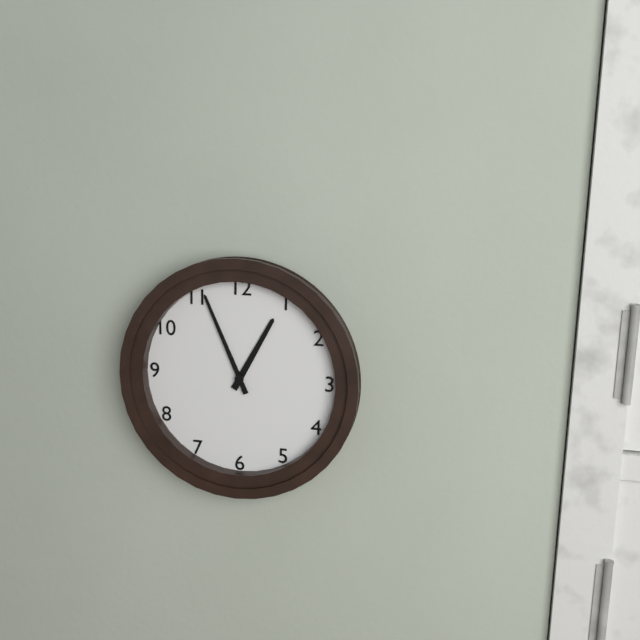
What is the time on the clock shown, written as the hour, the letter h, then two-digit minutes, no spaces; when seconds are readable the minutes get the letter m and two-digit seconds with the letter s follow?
12h56
